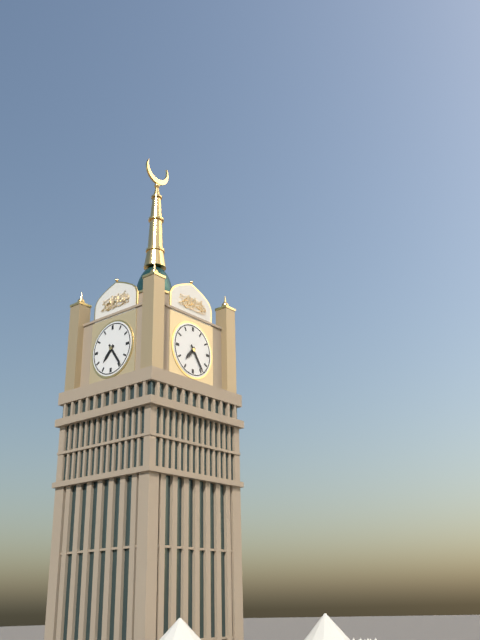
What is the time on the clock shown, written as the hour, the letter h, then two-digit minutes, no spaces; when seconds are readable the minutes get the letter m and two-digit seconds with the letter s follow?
7h24
